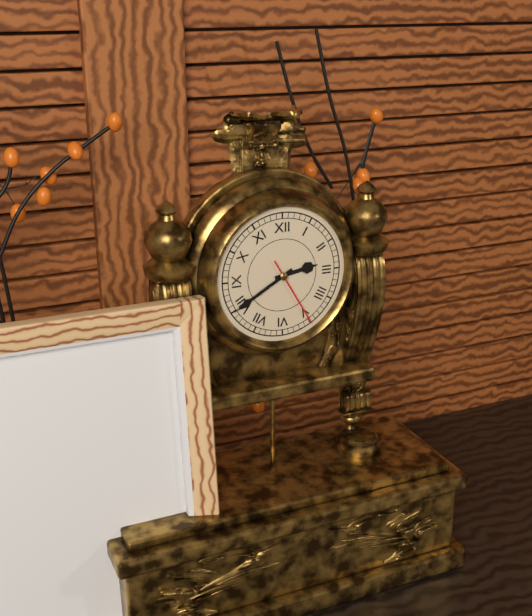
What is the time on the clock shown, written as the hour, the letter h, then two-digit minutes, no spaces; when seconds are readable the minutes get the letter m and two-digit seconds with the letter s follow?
2h40m25s
